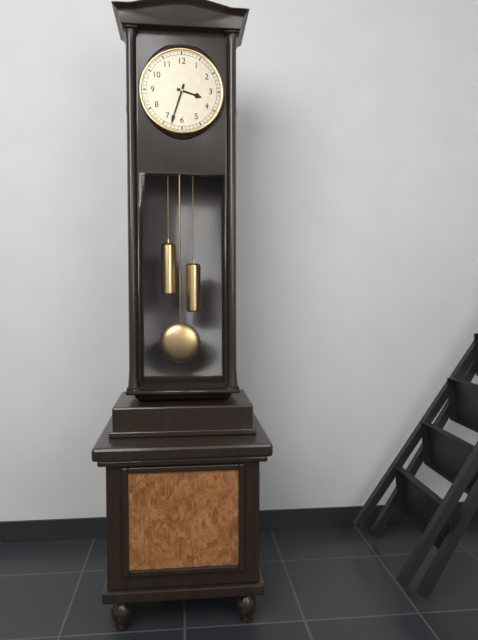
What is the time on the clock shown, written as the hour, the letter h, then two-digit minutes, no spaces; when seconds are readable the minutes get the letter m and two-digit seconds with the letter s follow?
3h33
